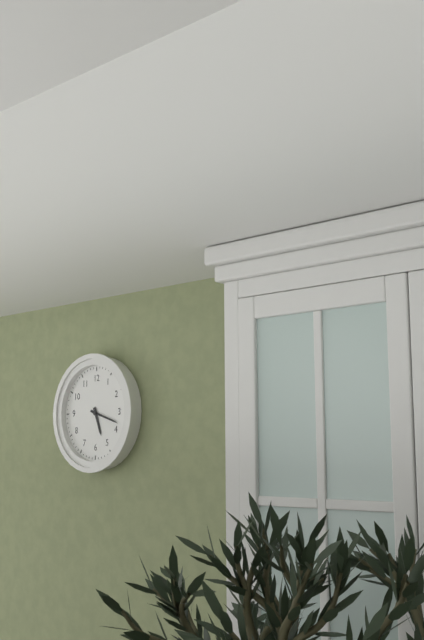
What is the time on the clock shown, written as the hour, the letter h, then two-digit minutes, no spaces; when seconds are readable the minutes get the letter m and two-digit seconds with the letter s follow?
5h18
